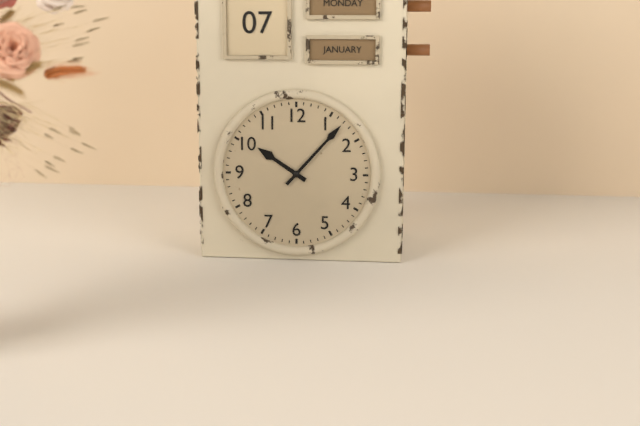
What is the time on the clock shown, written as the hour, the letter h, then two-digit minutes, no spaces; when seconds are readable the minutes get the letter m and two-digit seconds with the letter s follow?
10h07
